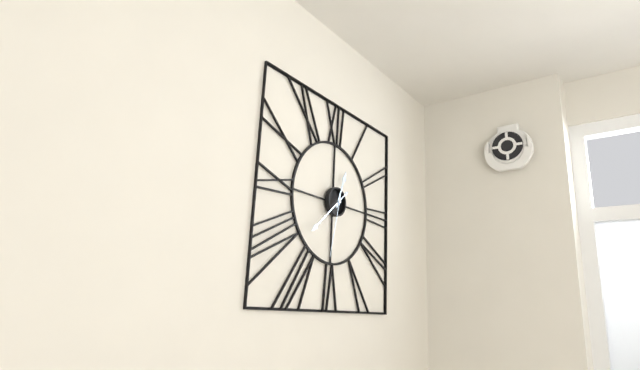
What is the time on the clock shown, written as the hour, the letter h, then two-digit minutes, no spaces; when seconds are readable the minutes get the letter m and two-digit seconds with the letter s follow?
12h38m32s
